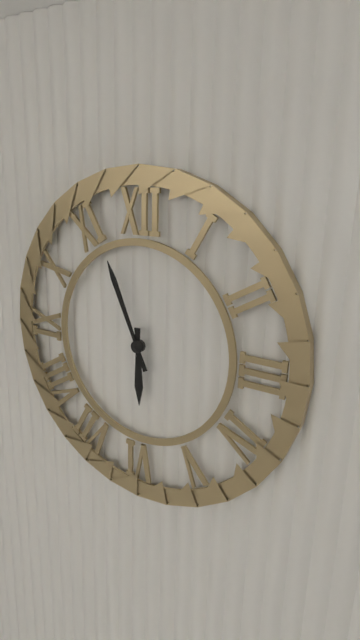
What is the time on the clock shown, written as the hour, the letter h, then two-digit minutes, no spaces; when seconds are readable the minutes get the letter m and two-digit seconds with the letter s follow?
5h56
